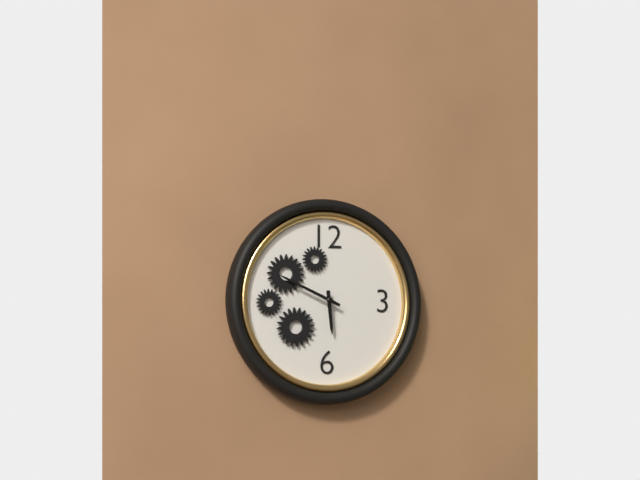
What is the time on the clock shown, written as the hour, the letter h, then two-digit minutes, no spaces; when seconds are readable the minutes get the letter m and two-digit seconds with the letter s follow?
5h49
